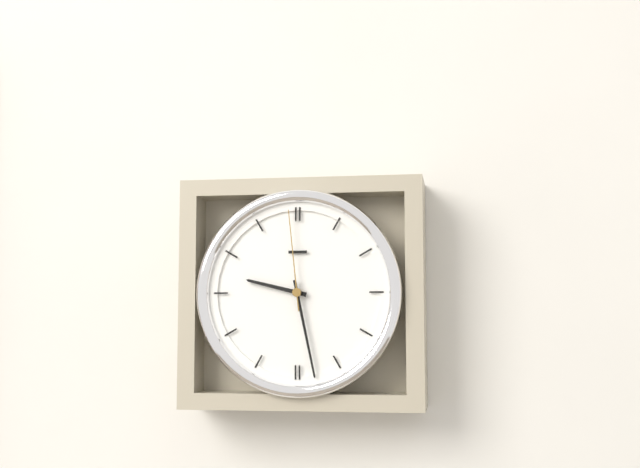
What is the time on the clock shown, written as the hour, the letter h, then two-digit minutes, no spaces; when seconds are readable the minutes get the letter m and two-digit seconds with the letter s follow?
9h28m59s
